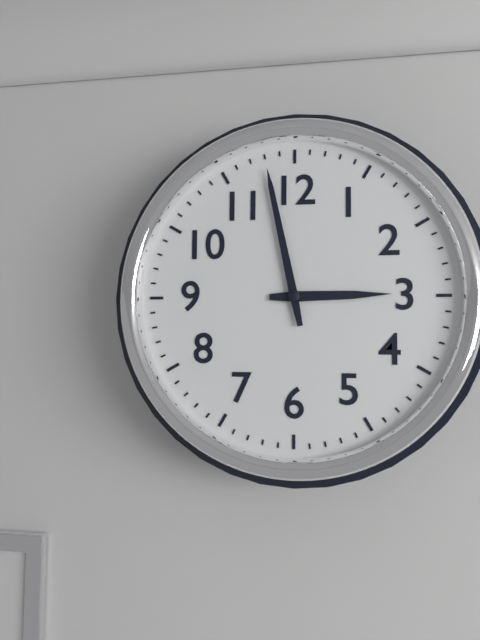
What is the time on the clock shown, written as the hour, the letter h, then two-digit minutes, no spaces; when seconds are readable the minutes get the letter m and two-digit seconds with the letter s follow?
2h58
